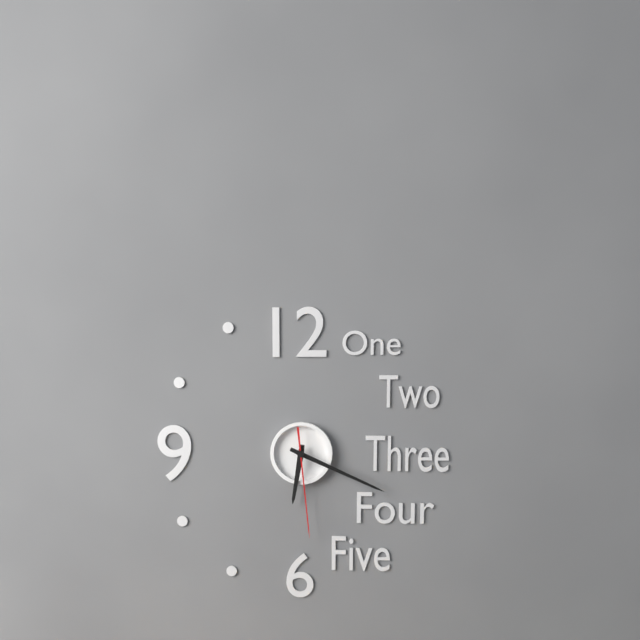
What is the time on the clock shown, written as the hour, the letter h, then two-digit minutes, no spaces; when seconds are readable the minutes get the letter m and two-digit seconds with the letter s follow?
6h19m29s
